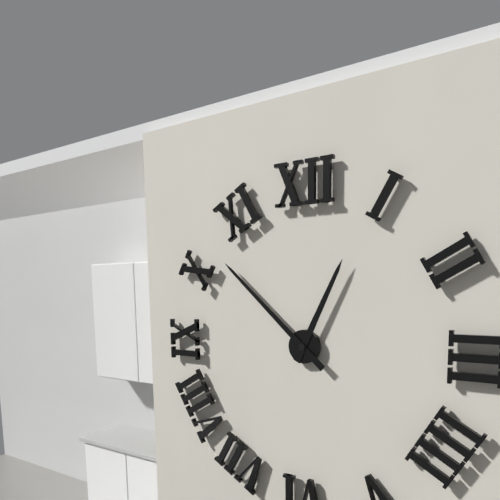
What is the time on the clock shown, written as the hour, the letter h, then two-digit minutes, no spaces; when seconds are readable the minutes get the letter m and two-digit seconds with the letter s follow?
12h52
